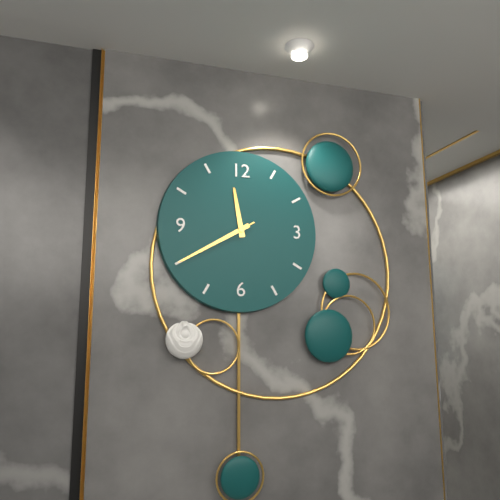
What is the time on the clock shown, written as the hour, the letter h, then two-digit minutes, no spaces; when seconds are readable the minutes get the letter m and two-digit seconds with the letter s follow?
11h40m40s
